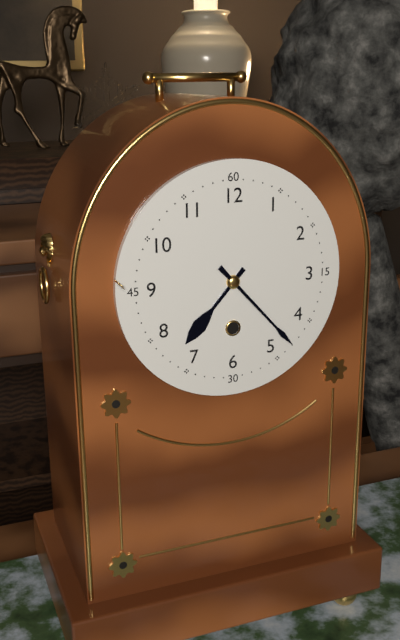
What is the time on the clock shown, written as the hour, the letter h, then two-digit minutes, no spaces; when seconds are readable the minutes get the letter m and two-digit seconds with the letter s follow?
7h23
